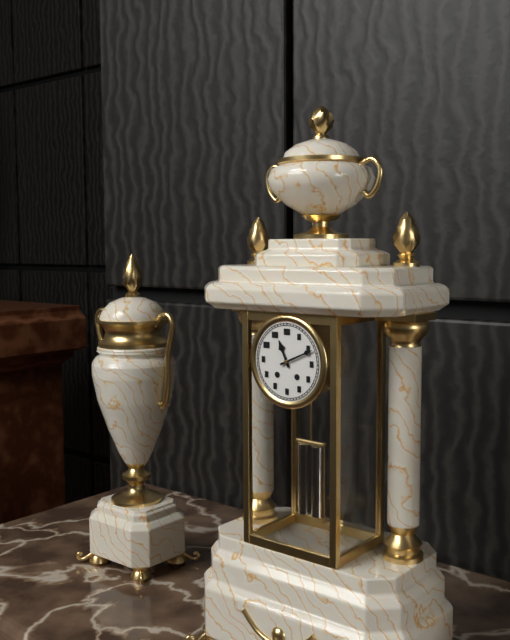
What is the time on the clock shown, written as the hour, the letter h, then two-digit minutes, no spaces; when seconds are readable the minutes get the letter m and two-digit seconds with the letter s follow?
11h11
